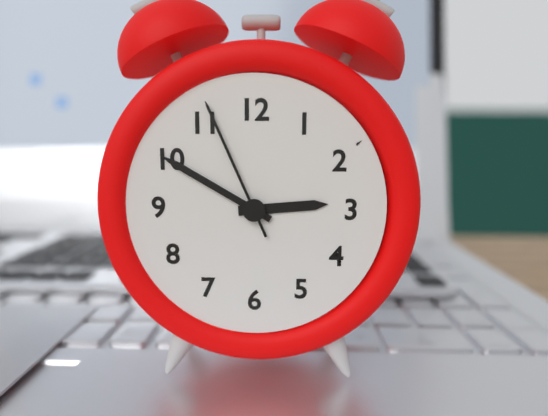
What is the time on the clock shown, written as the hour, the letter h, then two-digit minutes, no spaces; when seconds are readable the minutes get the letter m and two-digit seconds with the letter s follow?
2h50m56s
